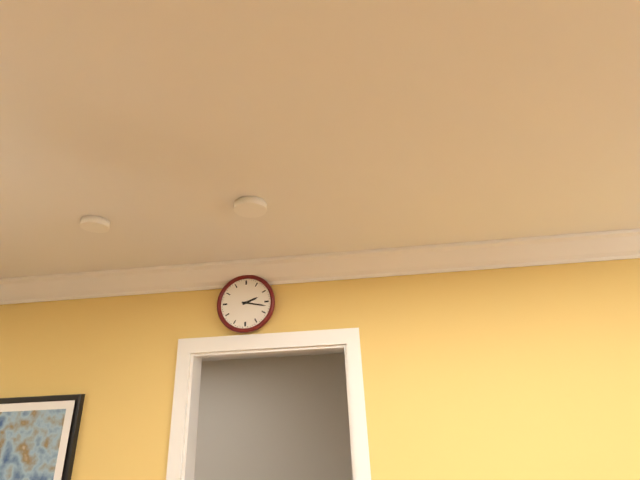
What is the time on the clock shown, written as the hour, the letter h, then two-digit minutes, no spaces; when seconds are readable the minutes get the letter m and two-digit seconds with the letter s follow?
2h17
